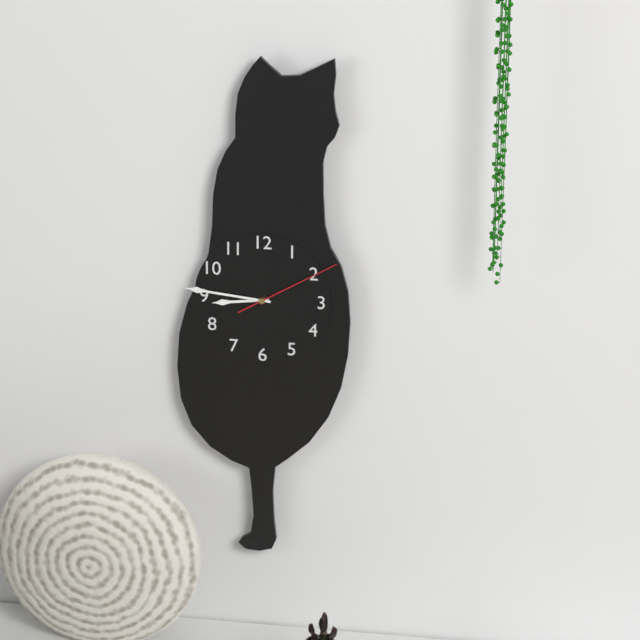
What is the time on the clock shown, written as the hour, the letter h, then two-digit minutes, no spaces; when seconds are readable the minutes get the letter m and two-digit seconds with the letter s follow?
8h46m10s
